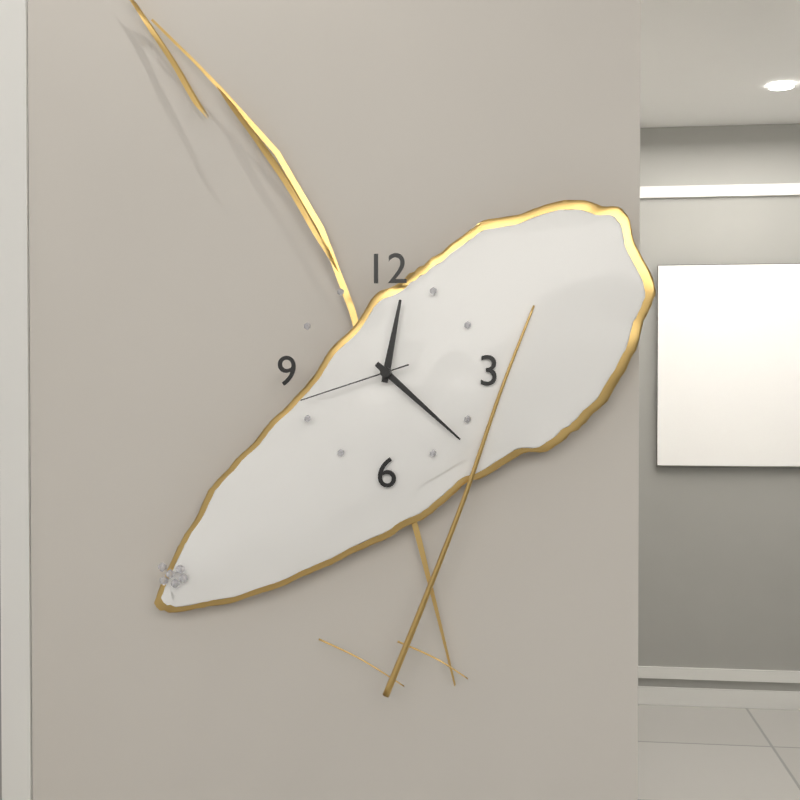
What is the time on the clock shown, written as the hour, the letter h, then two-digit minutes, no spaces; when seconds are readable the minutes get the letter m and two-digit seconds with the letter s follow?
12h22m42s
